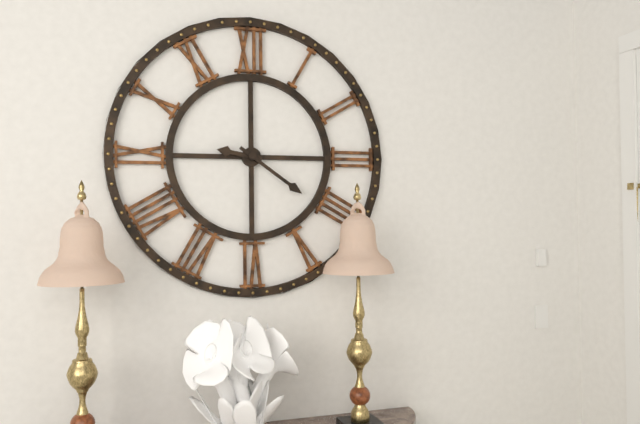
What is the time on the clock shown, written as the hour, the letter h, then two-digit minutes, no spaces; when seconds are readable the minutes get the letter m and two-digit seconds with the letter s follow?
9h21
